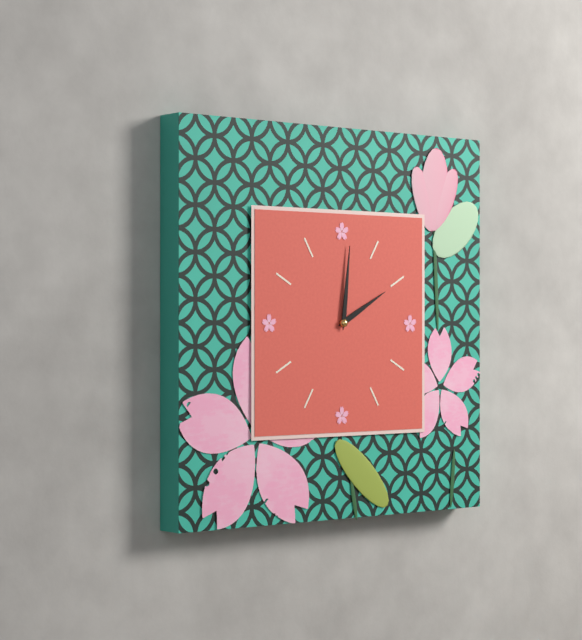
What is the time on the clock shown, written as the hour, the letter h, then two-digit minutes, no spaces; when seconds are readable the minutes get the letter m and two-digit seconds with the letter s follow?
2h01
